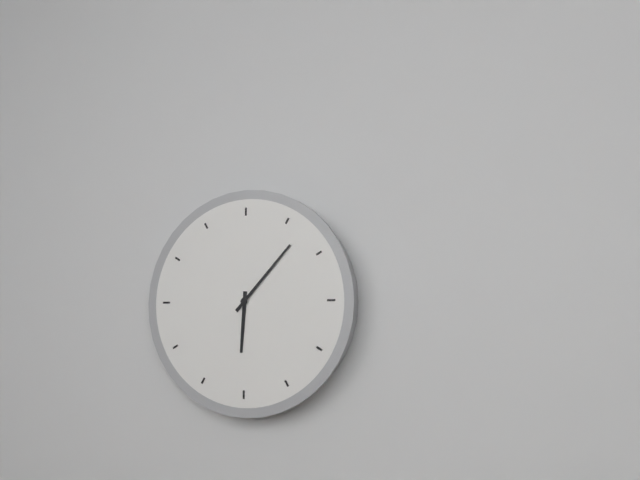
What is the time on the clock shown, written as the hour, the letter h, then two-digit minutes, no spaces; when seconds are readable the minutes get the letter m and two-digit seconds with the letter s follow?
6h07
